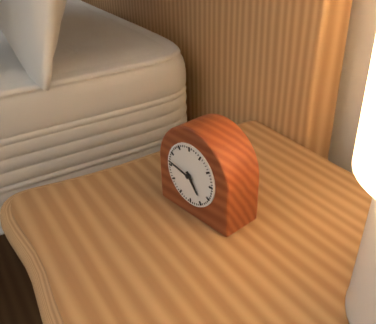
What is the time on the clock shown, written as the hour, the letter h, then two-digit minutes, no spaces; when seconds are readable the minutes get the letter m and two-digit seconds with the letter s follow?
4h47
